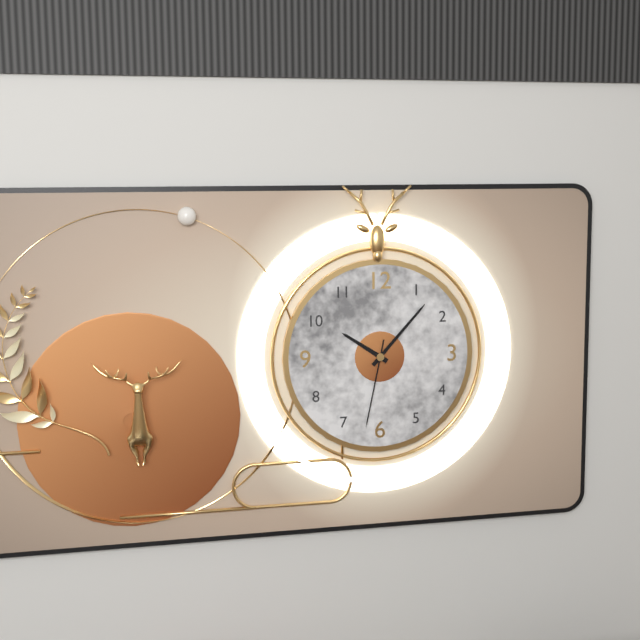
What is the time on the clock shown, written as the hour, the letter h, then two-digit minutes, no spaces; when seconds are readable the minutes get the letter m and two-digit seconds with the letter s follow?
10h07m32s
